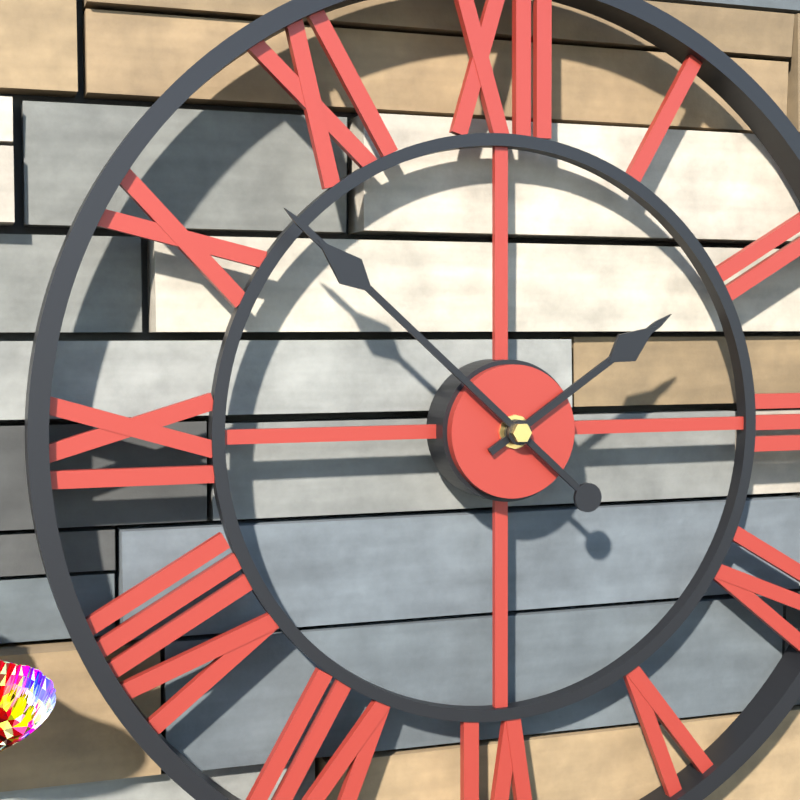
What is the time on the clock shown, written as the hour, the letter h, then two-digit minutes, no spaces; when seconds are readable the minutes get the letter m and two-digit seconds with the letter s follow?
1h52
